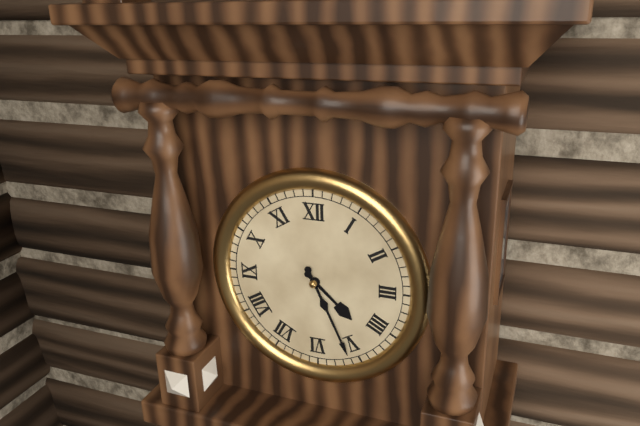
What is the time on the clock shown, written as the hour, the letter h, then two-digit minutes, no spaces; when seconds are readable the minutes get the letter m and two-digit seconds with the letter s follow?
4h26
